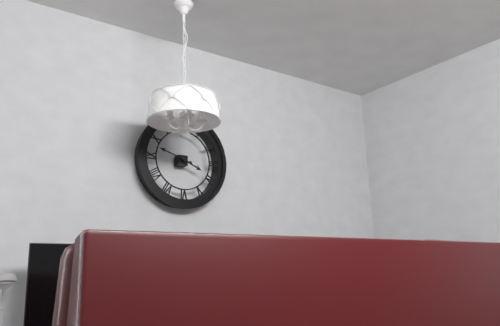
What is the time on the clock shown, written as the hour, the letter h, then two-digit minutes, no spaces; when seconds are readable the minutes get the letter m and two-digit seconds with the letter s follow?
3h48
